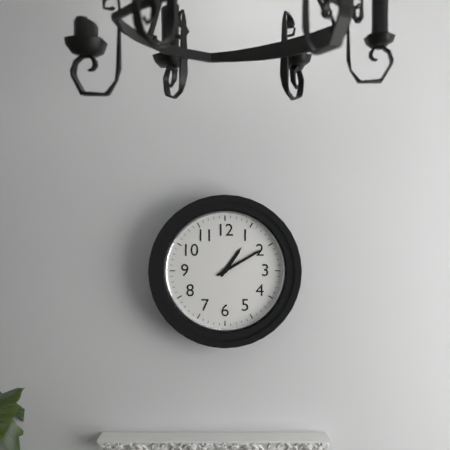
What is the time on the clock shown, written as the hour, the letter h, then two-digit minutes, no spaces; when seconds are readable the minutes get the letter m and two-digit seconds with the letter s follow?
1h10
